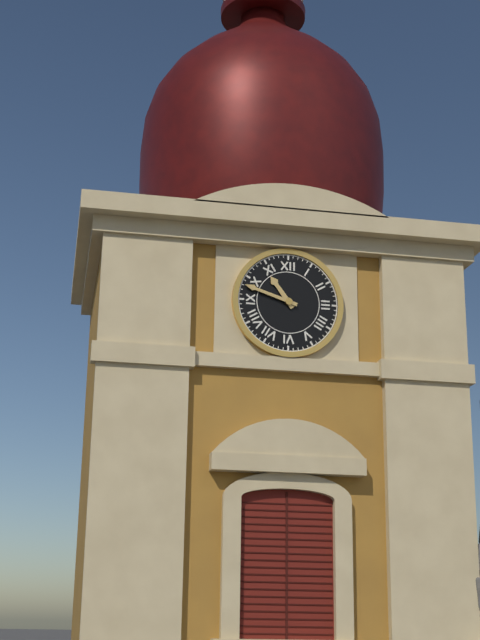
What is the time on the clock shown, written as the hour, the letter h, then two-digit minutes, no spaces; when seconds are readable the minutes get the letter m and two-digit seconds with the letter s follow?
10h48
